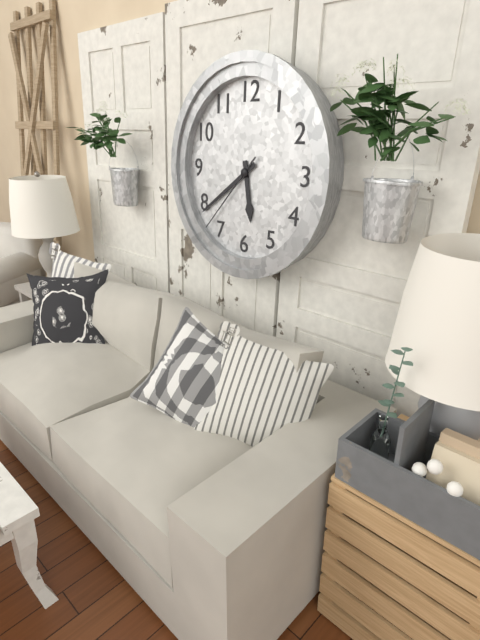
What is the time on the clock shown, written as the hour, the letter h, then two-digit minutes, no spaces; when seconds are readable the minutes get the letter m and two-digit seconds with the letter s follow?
5h39m37s
